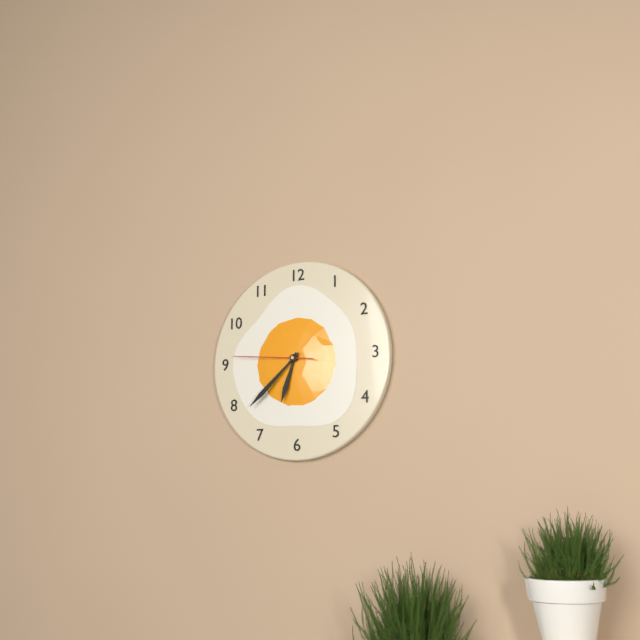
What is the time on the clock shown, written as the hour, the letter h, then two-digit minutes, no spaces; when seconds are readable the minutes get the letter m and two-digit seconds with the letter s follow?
6h38m46s
